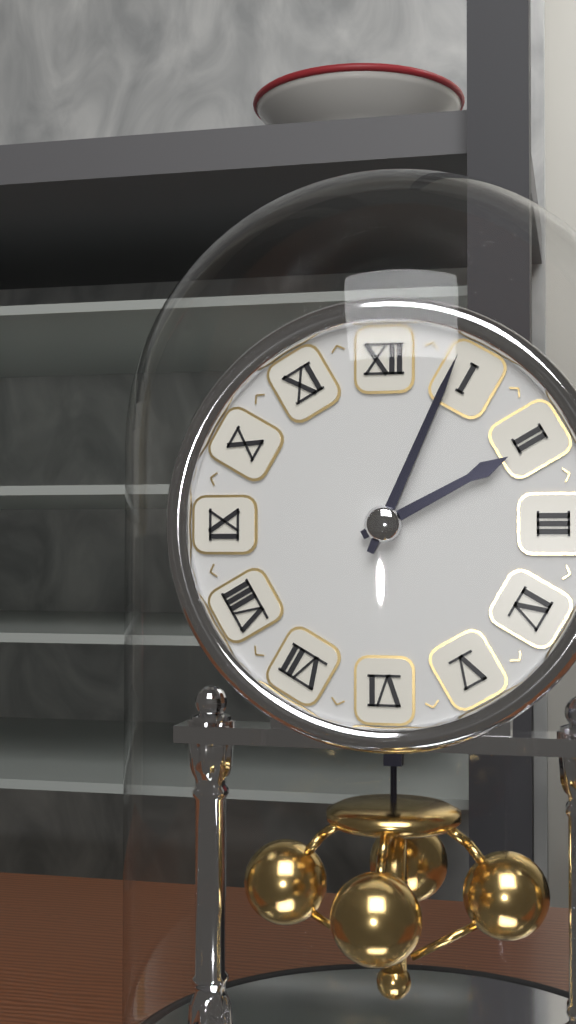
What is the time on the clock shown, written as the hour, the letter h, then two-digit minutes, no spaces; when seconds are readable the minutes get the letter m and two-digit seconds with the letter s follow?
2h04
